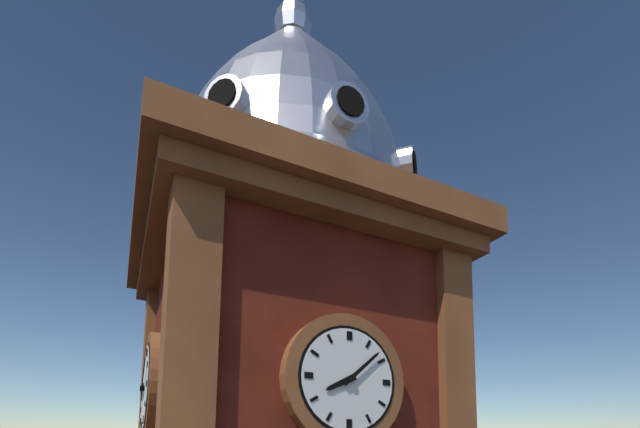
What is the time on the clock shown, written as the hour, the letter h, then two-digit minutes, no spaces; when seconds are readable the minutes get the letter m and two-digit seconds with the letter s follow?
8h08
